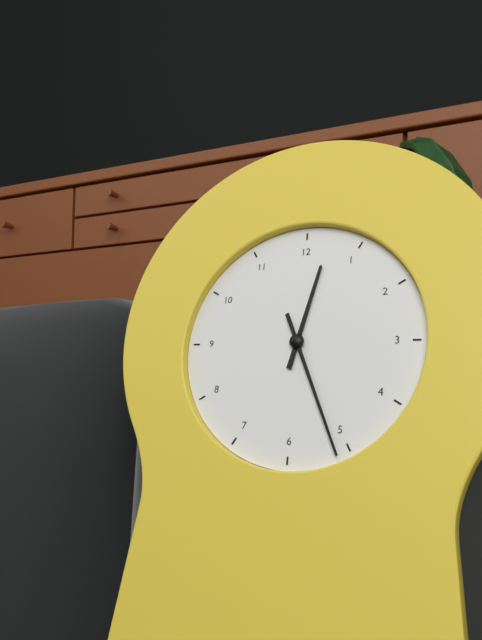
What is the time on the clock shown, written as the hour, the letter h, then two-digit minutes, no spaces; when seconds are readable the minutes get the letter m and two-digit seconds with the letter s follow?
12h26
